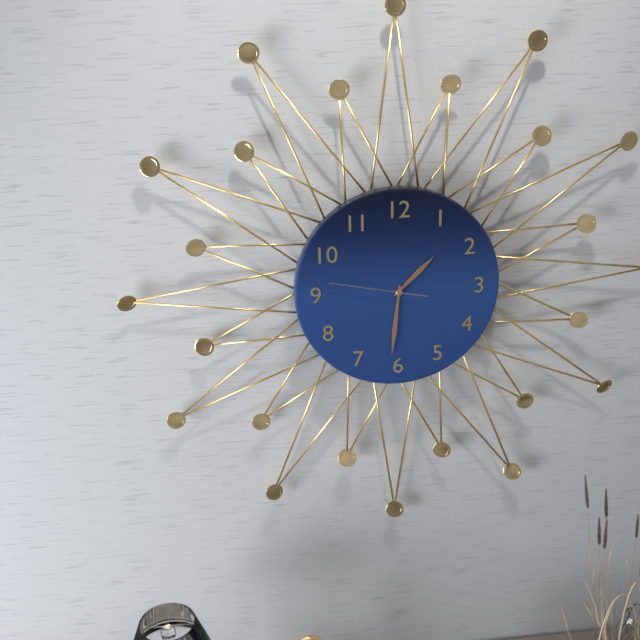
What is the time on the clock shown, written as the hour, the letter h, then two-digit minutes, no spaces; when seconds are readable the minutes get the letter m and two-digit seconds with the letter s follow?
1h31m47s
